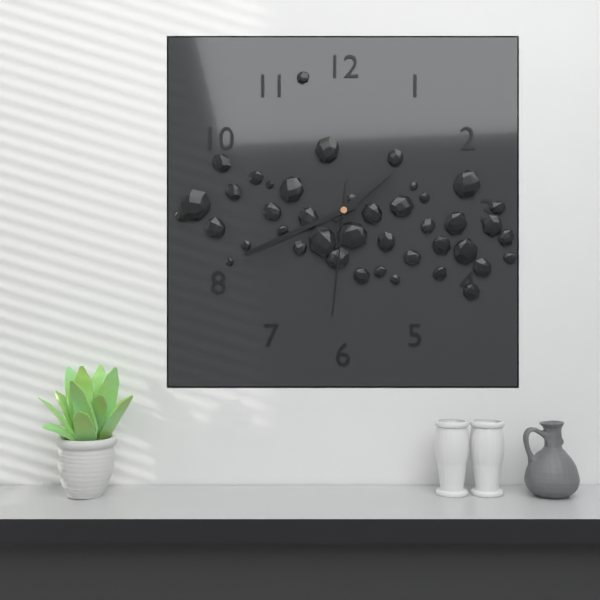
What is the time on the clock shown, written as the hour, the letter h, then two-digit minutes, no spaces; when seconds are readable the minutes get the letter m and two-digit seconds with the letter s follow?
1h41m31s
